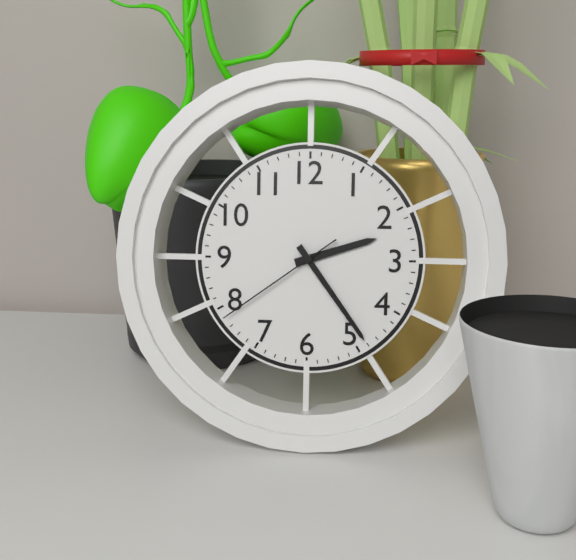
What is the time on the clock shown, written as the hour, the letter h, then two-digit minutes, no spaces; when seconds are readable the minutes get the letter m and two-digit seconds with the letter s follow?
2h24m39s
